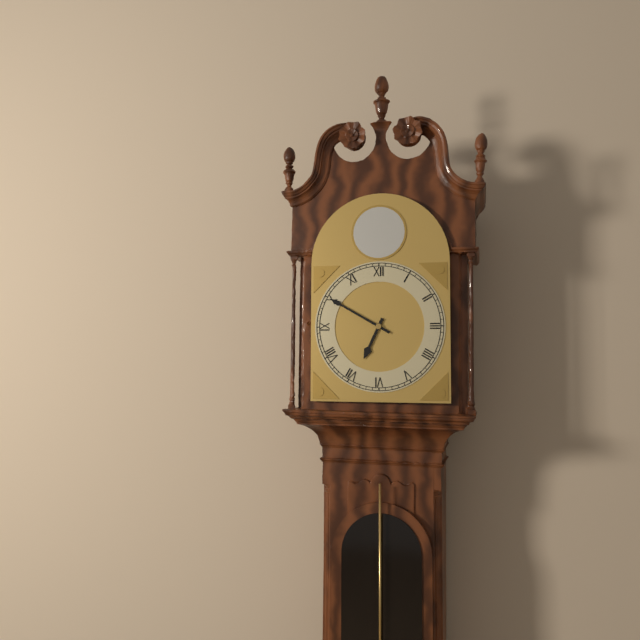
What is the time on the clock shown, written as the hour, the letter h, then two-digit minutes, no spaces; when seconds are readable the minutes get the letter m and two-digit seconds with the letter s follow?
6h50
